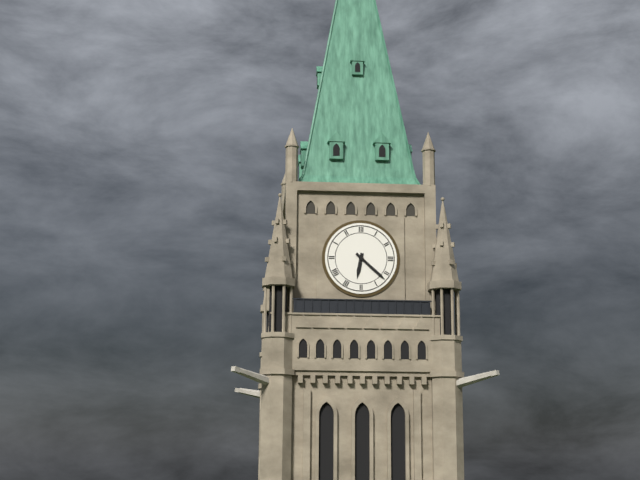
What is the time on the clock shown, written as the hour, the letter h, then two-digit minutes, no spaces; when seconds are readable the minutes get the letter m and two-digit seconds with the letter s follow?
6h22
